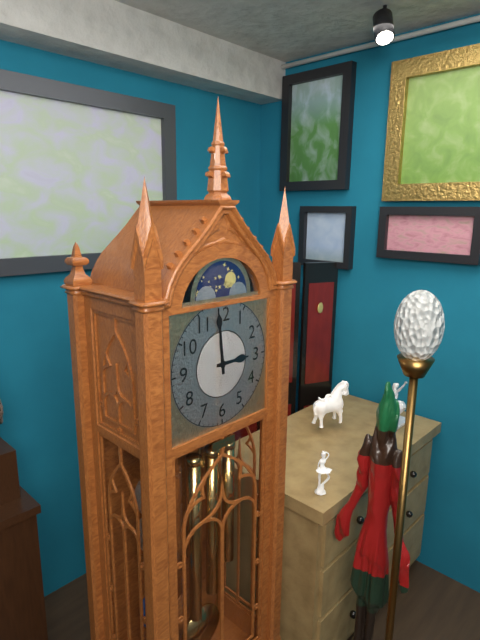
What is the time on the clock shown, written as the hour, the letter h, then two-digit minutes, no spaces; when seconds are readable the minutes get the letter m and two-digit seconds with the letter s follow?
2h59
